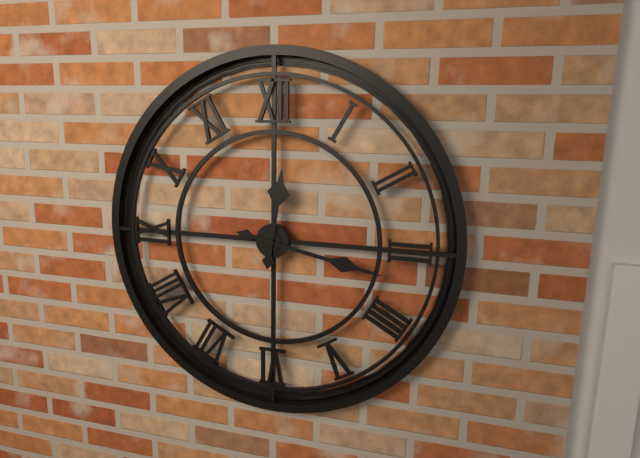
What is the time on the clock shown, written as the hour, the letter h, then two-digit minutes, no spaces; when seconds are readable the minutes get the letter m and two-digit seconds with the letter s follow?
12h17
